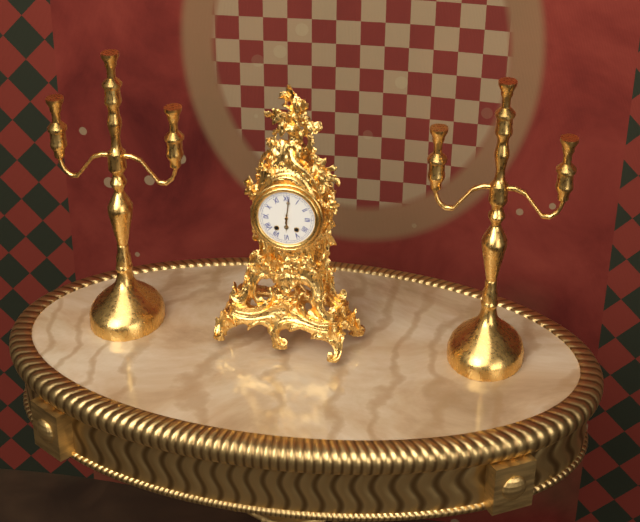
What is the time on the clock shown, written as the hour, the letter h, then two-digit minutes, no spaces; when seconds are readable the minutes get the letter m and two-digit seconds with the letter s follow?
6h01
